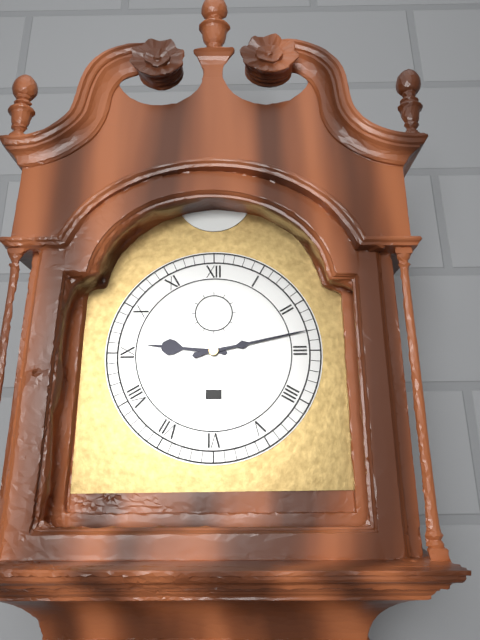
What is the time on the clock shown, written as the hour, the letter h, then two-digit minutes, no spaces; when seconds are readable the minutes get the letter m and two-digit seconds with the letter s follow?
9h13
